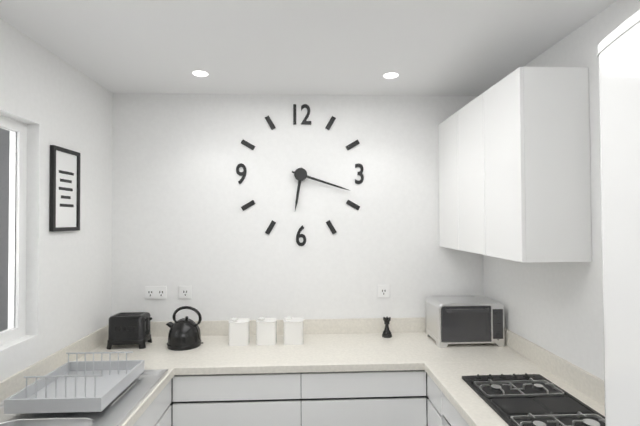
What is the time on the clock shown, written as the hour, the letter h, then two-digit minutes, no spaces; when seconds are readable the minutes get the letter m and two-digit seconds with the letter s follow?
6h18
